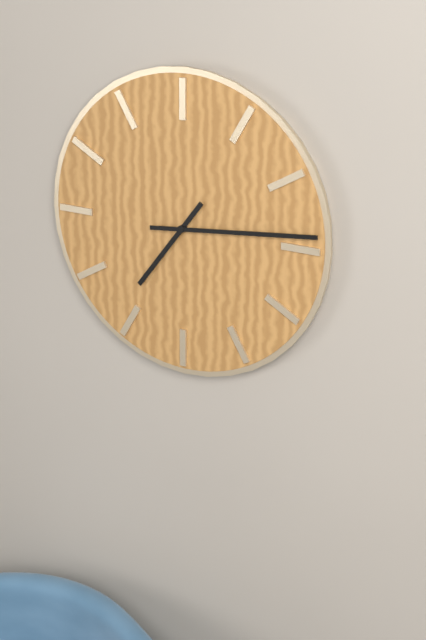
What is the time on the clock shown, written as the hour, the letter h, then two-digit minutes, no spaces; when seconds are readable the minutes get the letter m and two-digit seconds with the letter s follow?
7h14
